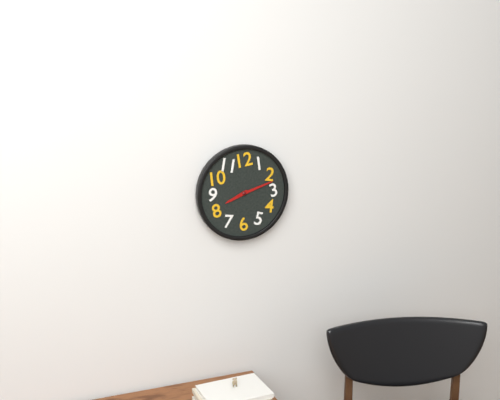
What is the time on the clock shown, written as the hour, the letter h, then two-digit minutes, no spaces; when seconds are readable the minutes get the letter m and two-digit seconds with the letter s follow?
8h12
